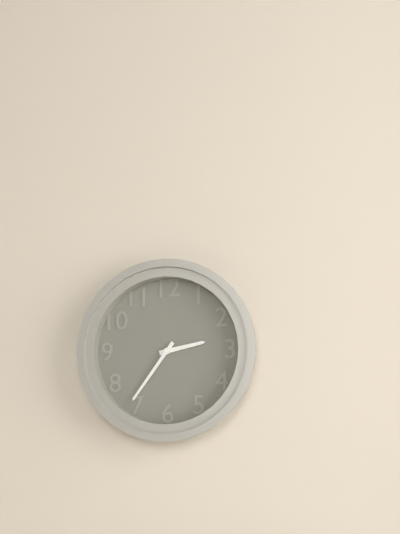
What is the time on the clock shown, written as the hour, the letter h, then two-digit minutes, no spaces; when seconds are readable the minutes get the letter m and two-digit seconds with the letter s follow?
2h36
